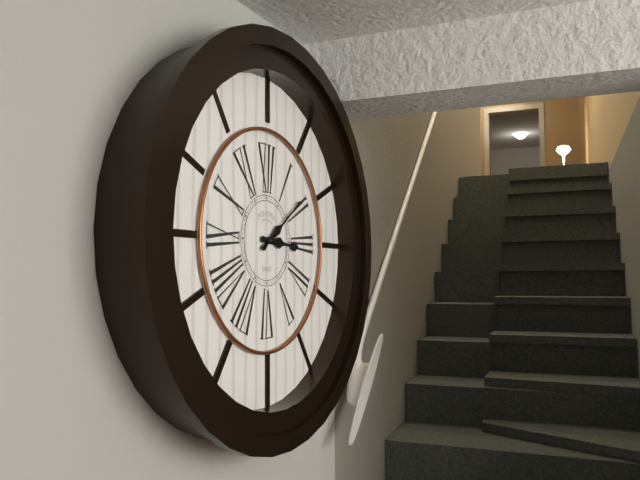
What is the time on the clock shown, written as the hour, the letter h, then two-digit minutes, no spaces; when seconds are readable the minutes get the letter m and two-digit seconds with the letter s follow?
3h09
